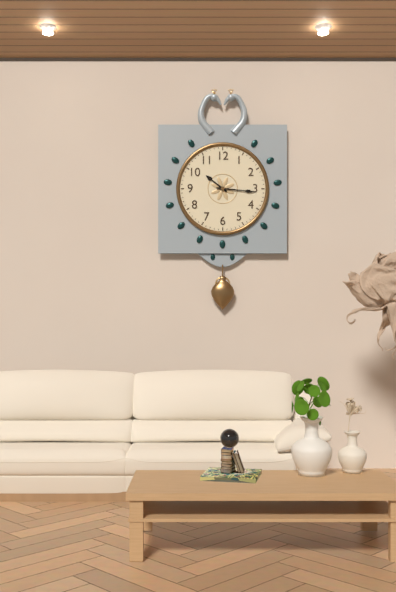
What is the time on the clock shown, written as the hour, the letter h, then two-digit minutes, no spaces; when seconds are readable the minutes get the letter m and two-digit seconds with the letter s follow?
10h16
